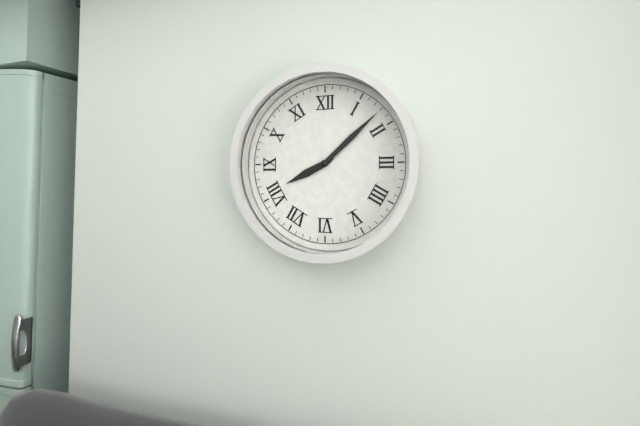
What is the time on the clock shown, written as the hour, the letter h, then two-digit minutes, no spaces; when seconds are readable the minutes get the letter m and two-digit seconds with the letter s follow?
8h08
